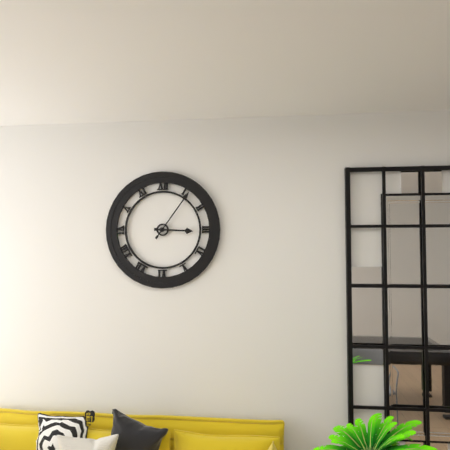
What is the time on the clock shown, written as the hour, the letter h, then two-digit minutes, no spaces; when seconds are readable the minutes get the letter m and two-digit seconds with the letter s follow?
3h06
